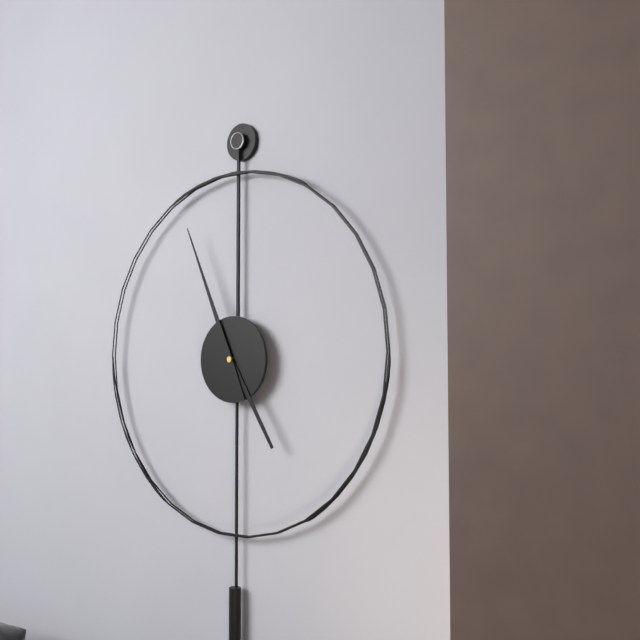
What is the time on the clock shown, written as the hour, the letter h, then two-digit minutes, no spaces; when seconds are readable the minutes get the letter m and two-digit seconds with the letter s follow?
4h56
